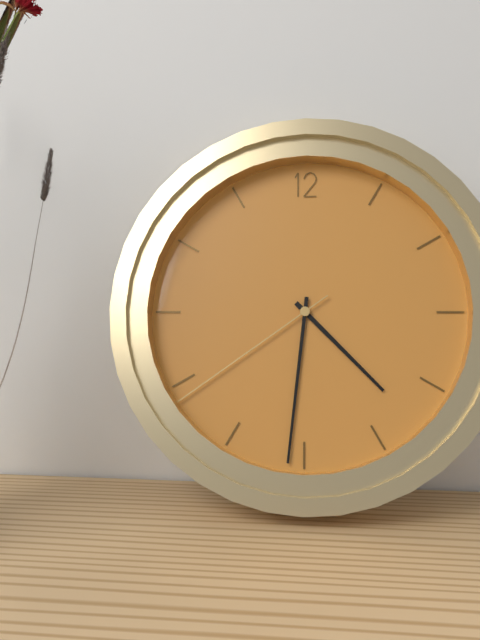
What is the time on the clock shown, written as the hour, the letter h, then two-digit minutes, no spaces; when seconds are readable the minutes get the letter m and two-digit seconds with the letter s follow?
4h31m39s
